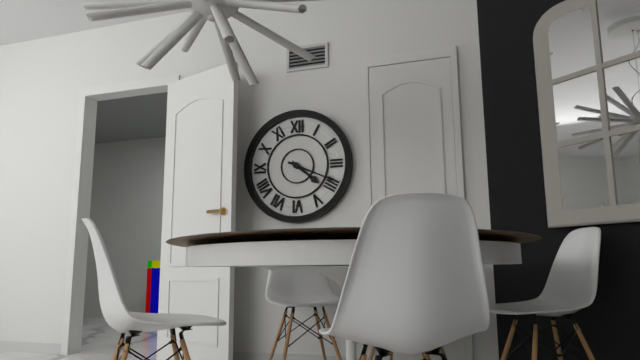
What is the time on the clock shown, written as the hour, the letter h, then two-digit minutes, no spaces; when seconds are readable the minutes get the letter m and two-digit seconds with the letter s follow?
4h19
